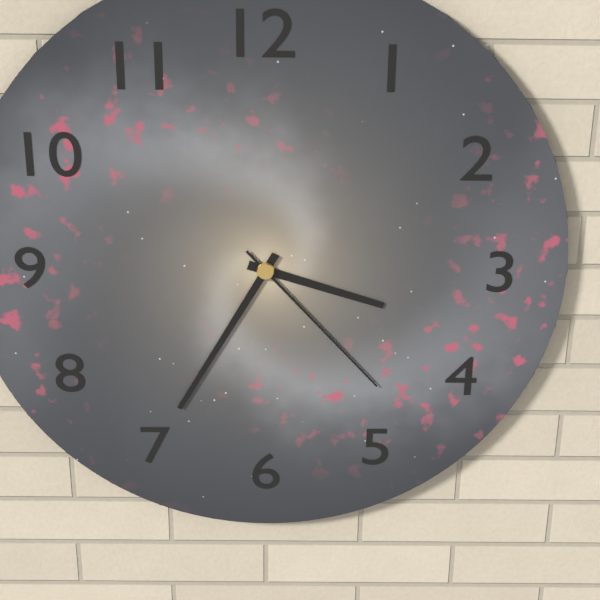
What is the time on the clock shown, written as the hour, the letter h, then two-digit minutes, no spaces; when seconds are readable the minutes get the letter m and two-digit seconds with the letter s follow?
3h35m23s
